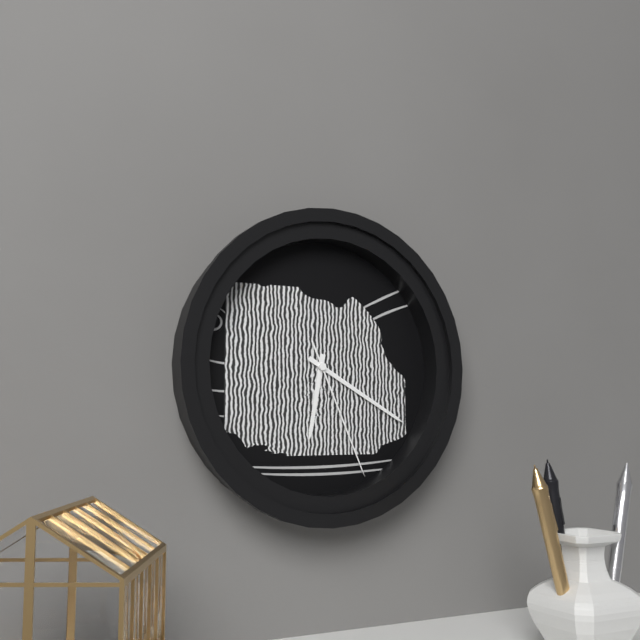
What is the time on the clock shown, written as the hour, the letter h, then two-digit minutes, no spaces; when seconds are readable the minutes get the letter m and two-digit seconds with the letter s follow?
6h20m26s
